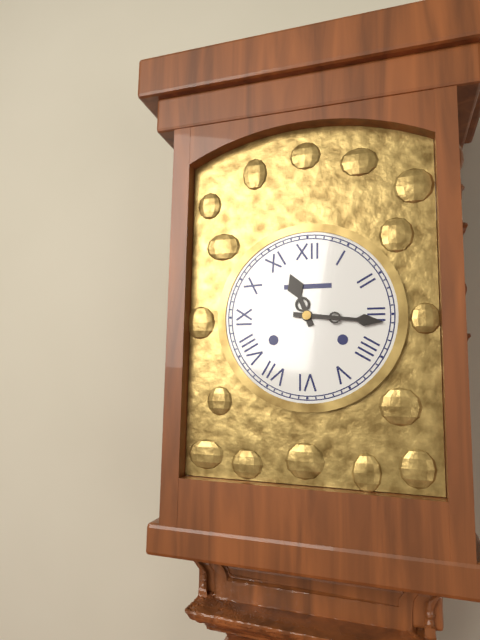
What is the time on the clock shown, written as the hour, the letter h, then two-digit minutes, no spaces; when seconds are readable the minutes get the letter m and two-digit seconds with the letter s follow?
11h16
